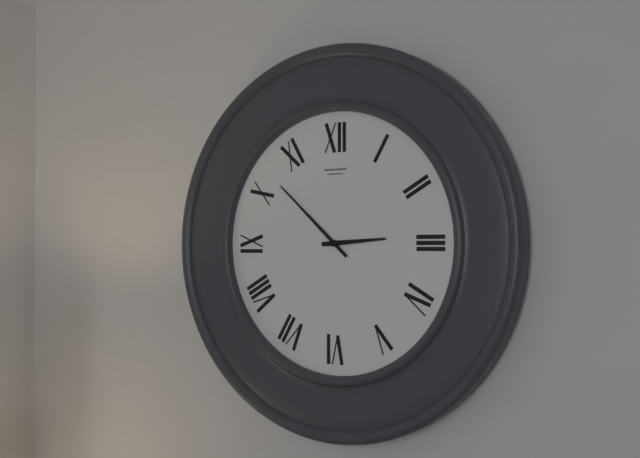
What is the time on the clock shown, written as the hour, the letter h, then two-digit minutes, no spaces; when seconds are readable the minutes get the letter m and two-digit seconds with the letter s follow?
2h52
